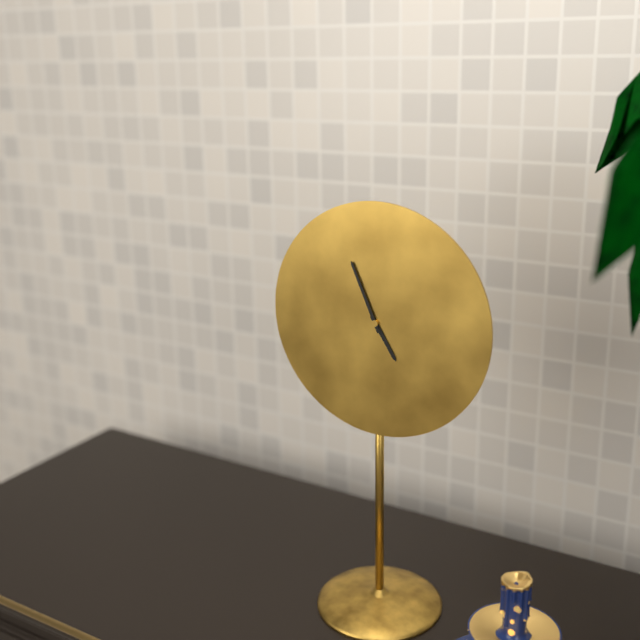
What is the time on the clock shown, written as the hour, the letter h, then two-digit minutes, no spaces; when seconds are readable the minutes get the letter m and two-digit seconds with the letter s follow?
4h56
